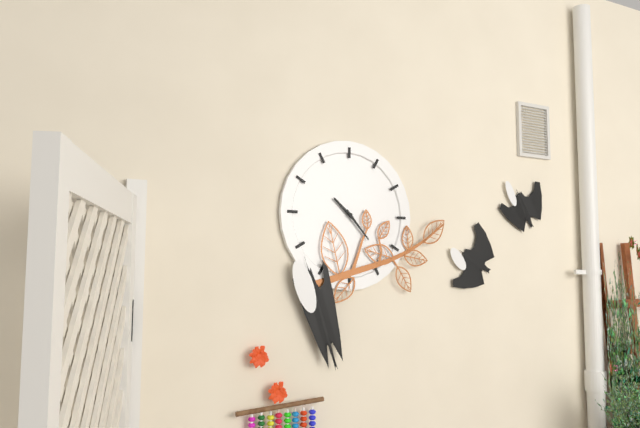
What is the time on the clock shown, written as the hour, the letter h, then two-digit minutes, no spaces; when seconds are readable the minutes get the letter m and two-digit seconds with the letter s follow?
10h23
